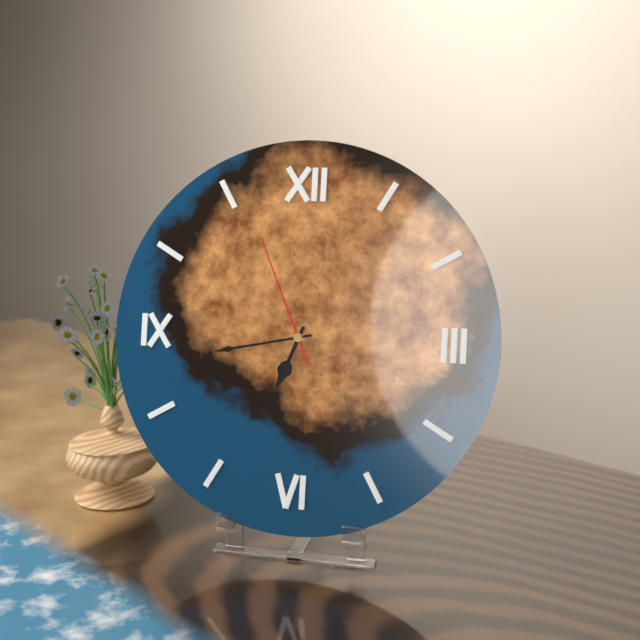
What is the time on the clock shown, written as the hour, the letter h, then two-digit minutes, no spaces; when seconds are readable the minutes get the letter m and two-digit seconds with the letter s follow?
6h43m56s
